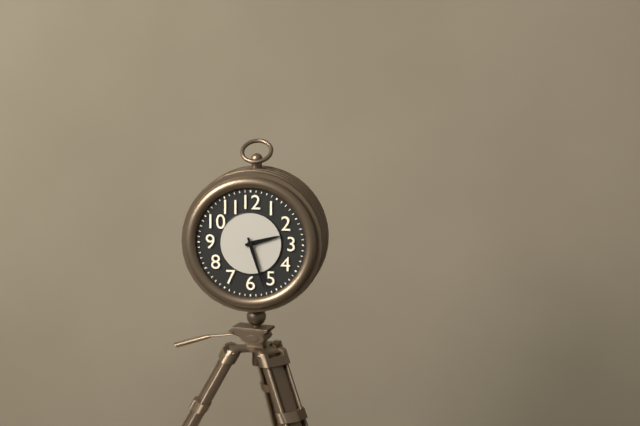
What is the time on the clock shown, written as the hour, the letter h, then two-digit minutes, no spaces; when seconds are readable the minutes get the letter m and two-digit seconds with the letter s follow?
2h27
